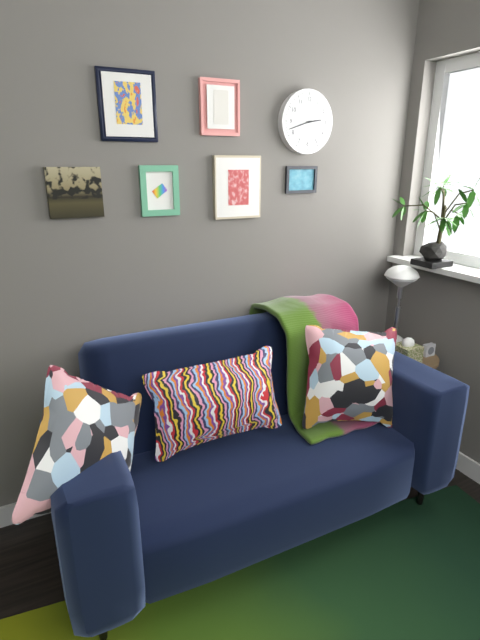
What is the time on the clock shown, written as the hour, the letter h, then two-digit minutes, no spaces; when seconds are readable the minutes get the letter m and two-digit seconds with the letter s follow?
2h42
